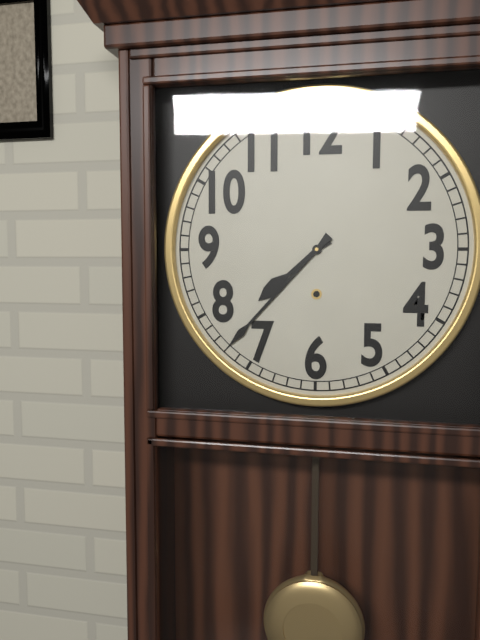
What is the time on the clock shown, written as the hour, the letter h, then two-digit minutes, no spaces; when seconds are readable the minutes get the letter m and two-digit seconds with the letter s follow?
7h37
